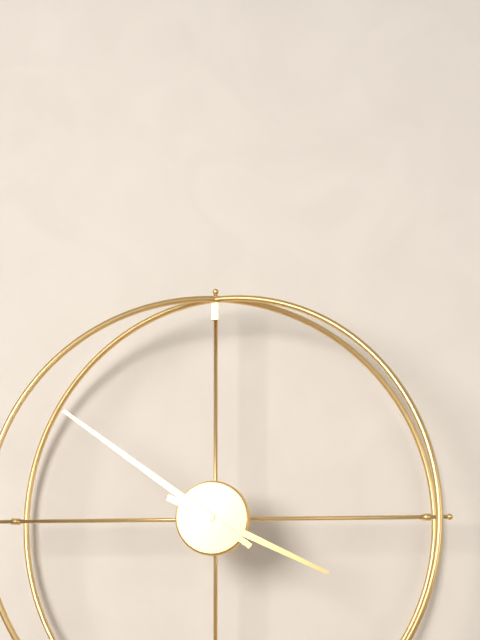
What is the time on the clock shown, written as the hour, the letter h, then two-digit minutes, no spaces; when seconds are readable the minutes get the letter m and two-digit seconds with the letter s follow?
3h51
